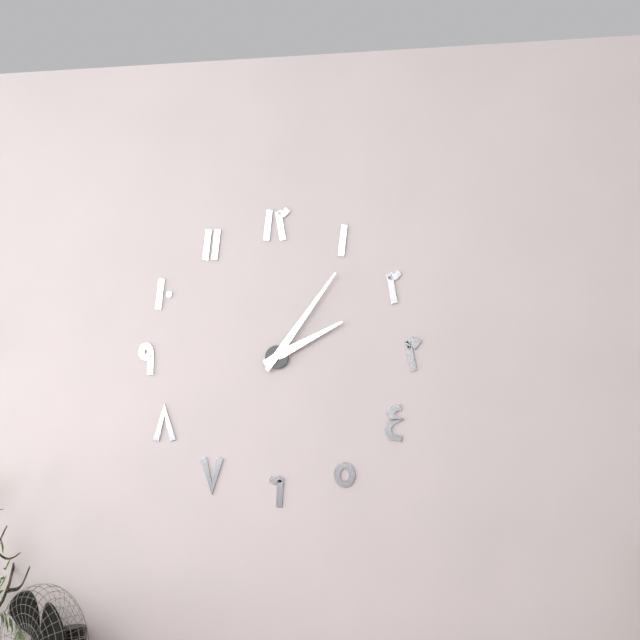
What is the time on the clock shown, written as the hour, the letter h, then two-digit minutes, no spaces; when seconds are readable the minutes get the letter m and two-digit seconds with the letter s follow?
2h06
